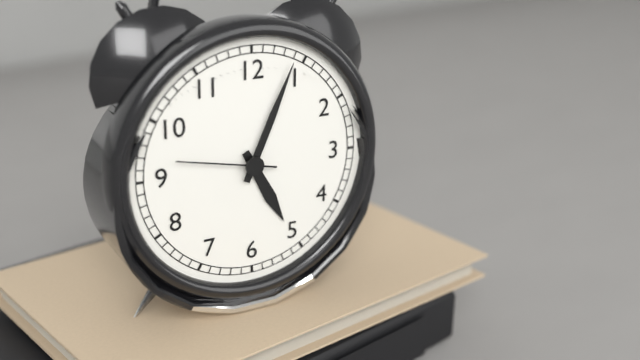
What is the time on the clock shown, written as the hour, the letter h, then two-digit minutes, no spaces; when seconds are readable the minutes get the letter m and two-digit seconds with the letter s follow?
5h04m47s
